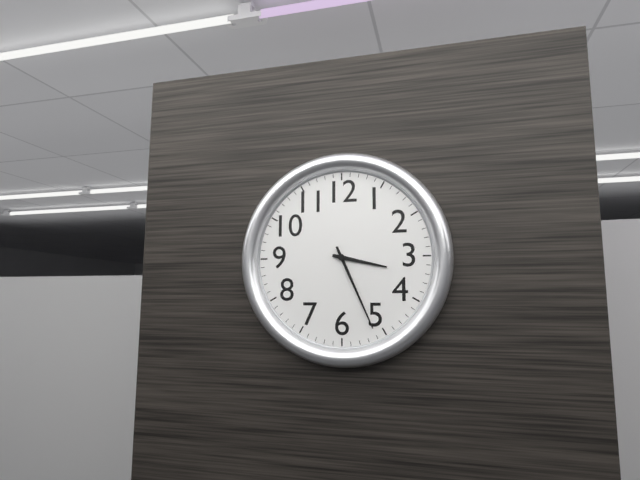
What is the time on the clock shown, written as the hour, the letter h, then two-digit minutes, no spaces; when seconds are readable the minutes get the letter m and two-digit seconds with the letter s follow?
3h26
